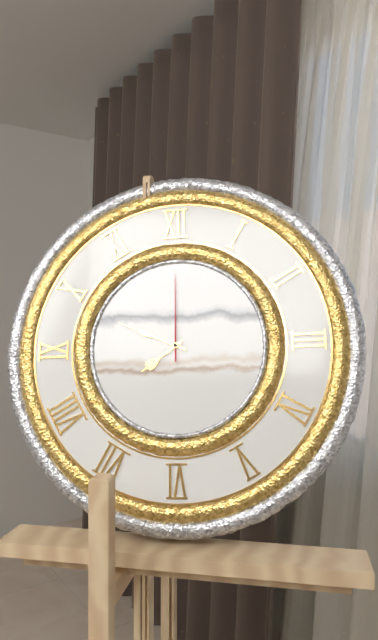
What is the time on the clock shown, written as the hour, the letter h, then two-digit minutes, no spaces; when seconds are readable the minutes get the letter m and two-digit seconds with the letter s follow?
7h49m00s
